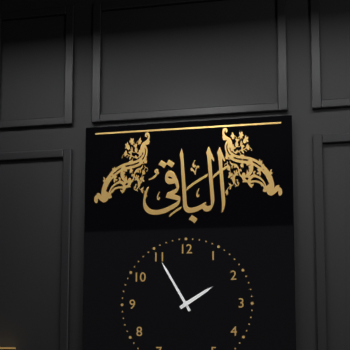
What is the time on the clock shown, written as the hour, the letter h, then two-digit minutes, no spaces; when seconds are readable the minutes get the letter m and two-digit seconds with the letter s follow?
1h55
